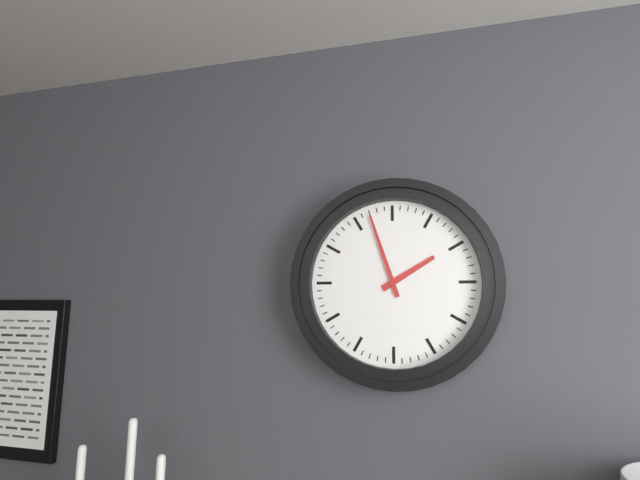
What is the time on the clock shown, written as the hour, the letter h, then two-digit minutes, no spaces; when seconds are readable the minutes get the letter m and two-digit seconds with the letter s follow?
1h57
